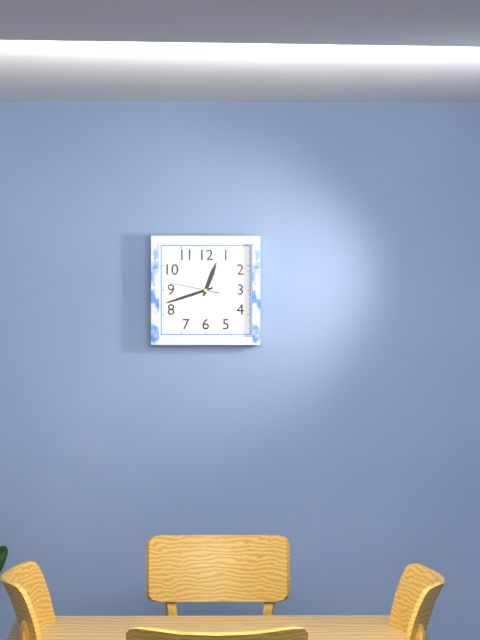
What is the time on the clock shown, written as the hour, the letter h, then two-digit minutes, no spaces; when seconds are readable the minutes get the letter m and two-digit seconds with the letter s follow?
12h42m47s
